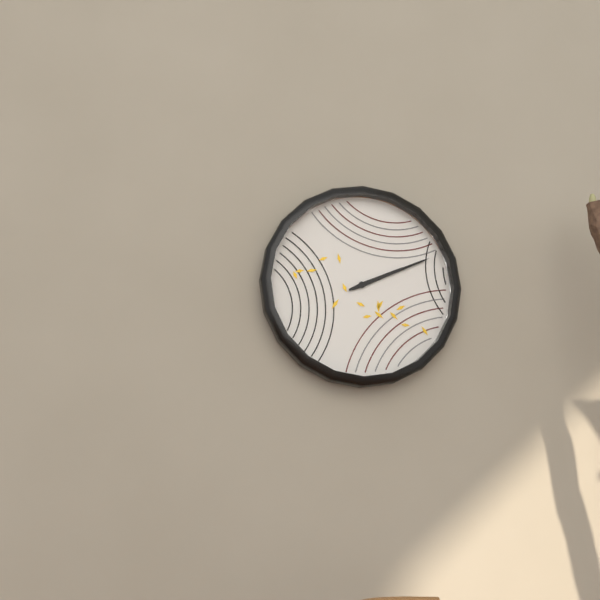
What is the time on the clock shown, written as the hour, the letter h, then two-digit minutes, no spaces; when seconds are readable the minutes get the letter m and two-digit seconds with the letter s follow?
2h11
